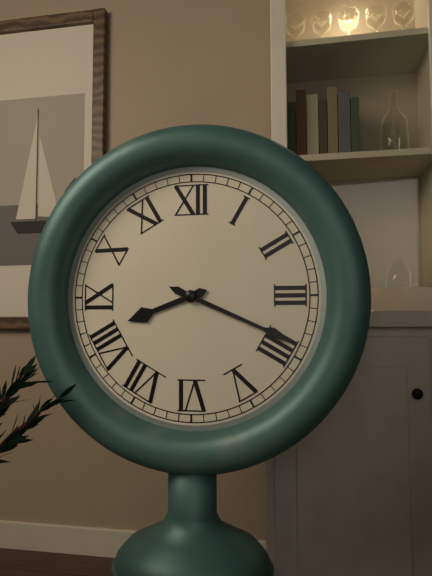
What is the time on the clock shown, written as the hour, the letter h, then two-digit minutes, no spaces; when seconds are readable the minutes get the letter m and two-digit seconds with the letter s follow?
8h19
